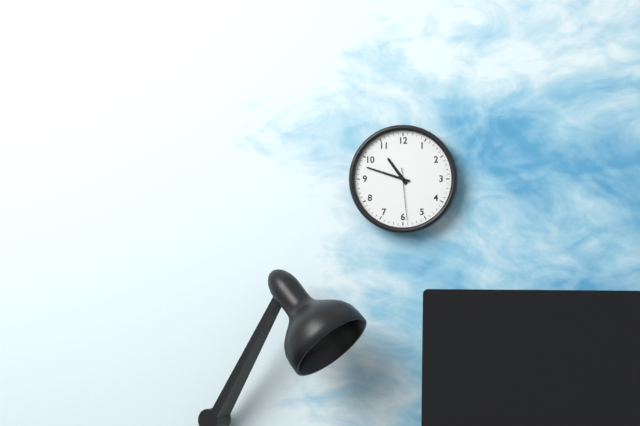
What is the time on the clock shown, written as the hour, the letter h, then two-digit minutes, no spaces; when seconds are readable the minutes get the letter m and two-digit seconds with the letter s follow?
10h48m29s
